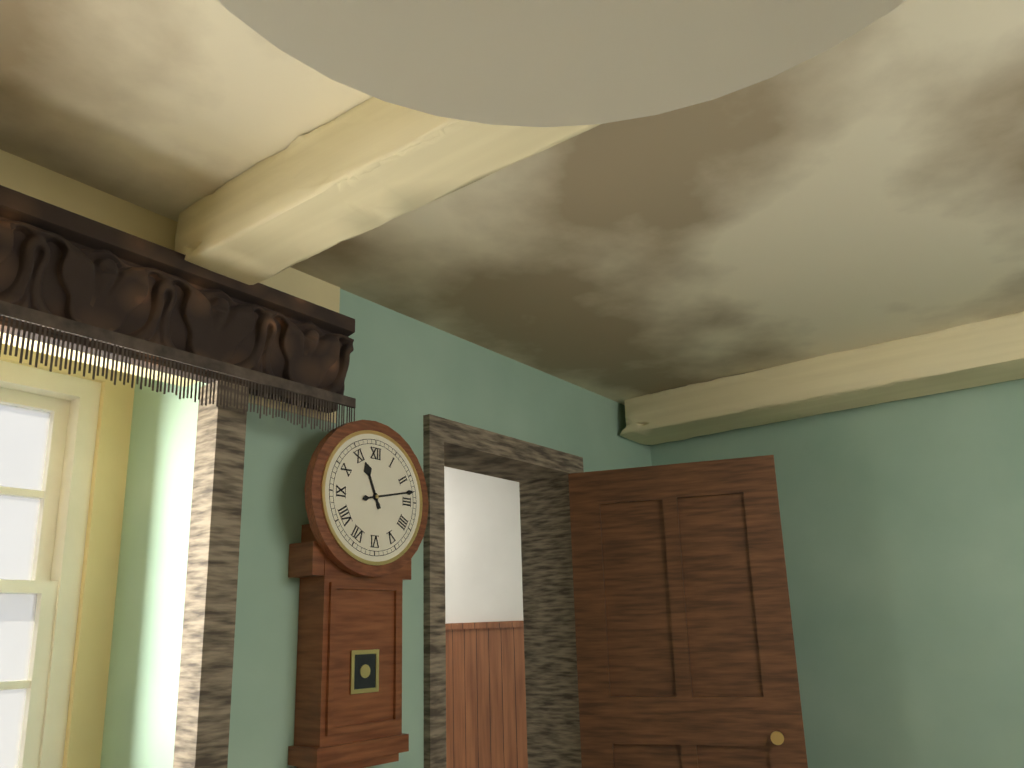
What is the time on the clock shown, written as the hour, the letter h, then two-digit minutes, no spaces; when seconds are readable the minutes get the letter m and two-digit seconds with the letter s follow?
11h13
